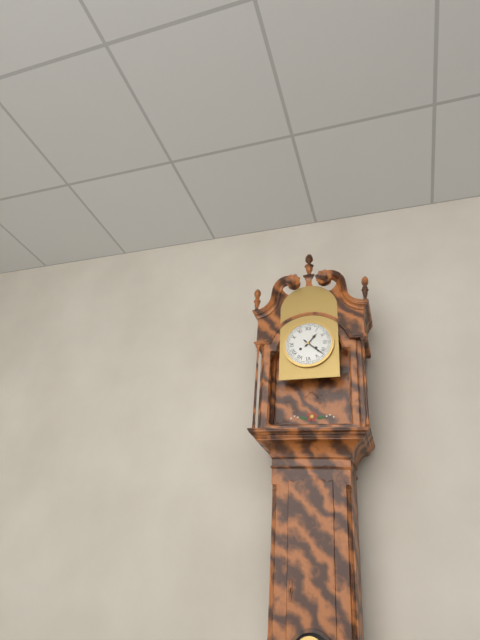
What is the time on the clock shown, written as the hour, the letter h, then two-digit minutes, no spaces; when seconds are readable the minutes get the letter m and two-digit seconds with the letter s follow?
1h22
